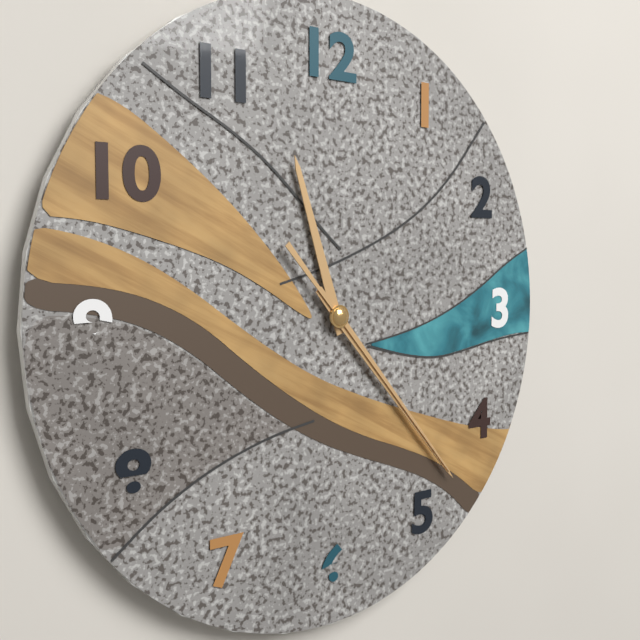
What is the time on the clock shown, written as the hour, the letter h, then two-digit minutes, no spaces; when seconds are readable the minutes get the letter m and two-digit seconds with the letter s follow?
11h23m23s
